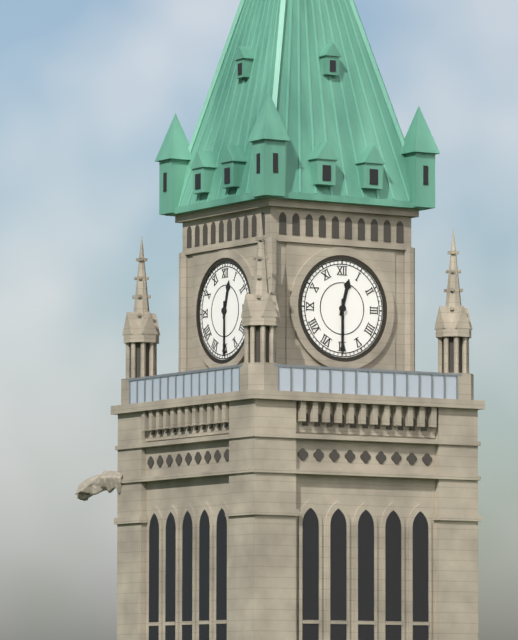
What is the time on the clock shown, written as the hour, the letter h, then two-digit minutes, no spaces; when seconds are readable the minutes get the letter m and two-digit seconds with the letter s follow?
12h30
